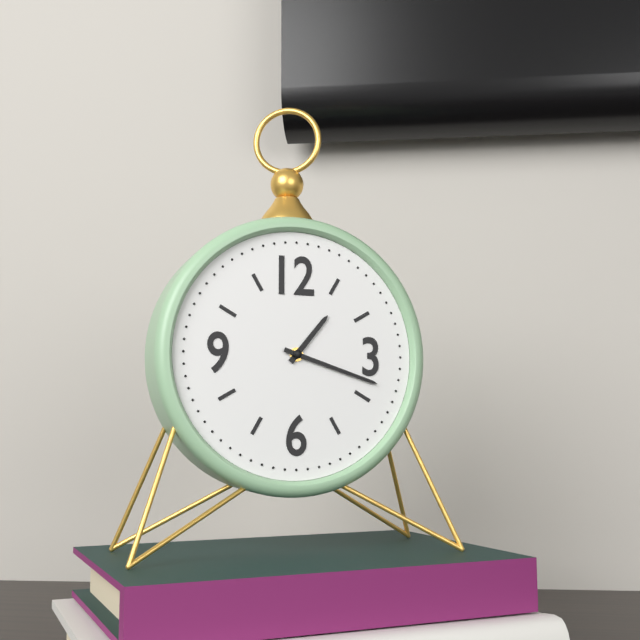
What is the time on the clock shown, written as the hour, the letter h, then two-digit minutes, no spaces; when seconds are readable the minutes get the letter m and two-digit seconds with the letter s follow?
1h18
